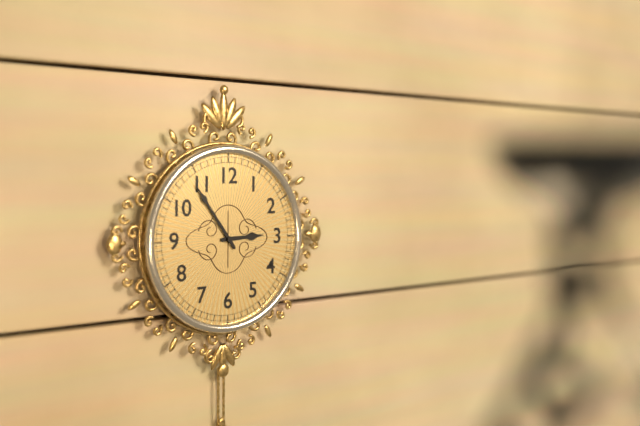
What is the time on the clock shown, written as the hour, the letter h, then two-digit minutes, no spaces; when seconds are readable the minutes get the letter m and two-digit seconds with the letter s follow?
2h54
